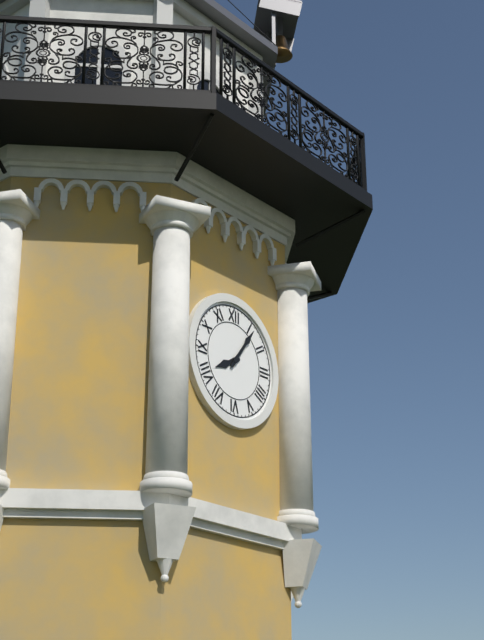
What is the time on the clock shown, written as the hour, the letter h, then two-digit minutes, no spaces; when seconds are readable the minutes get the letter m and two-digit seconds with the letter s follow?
8h06
